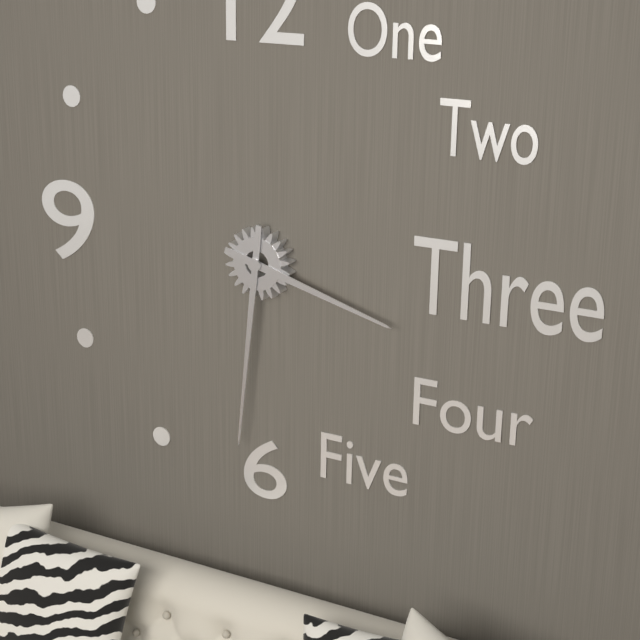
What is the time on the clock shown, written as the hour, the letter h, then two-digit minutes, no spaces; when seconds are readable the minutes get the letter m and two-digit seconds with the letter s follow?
3h31
